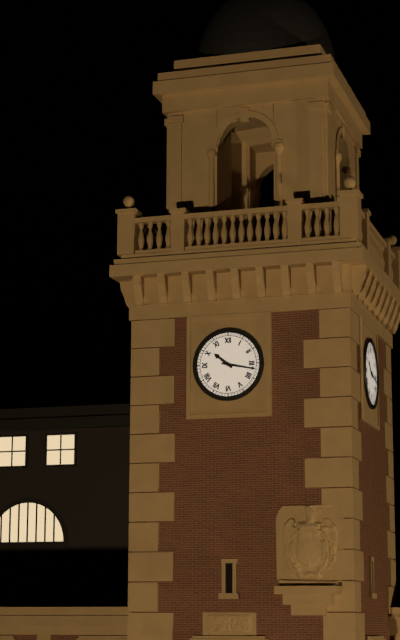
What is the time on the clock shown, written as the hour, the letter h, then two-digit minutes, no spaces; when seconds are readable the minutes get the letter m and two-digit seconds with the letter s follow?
10h17
